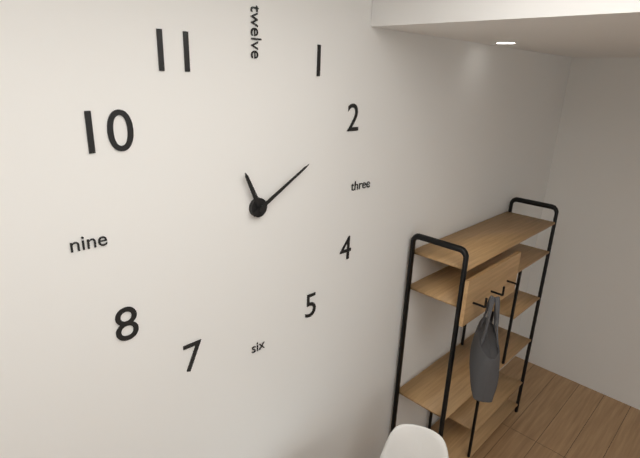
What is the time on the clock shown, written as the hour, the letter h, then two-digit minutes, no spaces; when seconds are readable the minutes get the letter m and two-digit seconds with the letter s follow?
11h10
